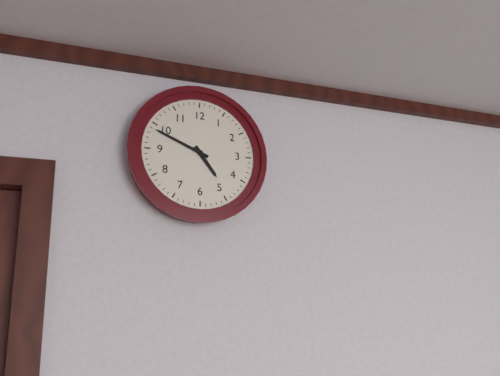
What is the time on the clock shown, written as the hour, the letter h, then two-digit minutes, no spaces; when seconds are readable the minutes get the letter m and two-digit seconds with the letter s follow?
4h49
